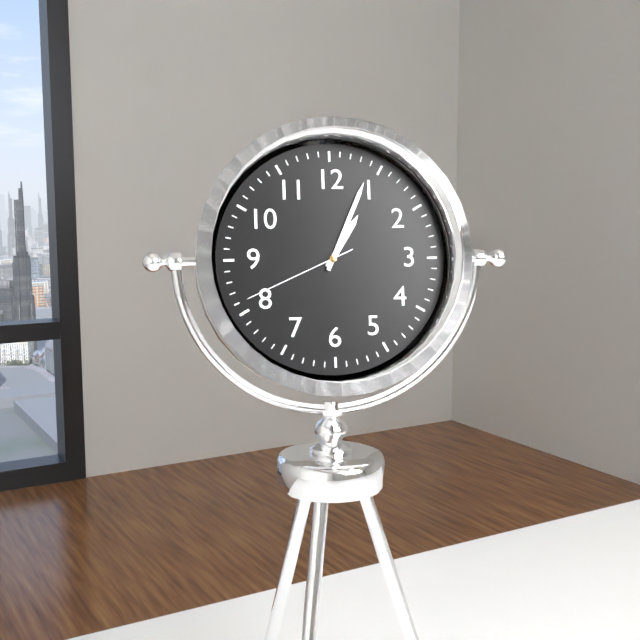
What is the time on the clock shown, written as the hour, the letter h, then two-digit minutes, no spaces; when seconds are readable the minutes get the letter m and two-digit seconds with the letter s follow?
1h04m41s
